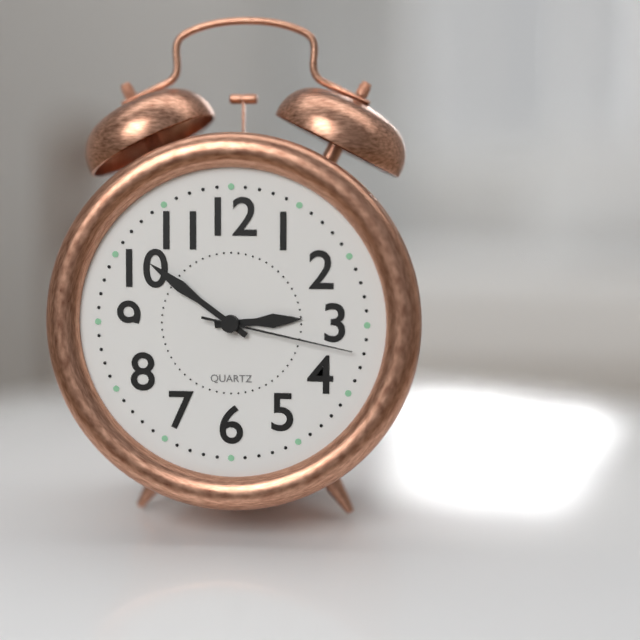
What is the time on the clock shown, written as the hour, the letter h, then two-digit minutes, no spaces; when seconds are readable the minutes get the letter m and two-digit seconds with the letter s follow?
2h51m17s
